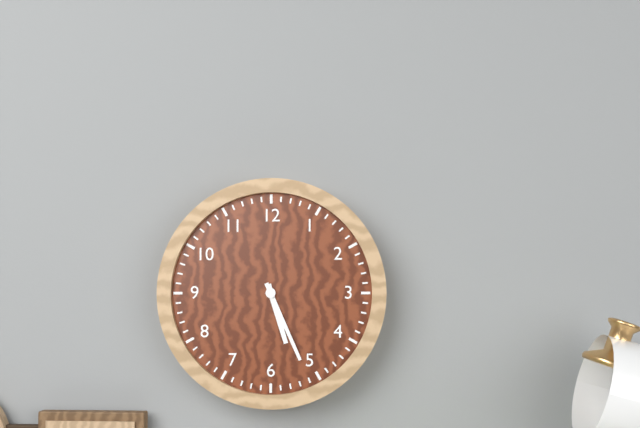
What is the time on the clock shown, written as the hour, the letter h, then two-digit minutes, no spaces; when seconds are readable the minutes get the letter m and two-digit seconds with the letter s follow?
5h26
